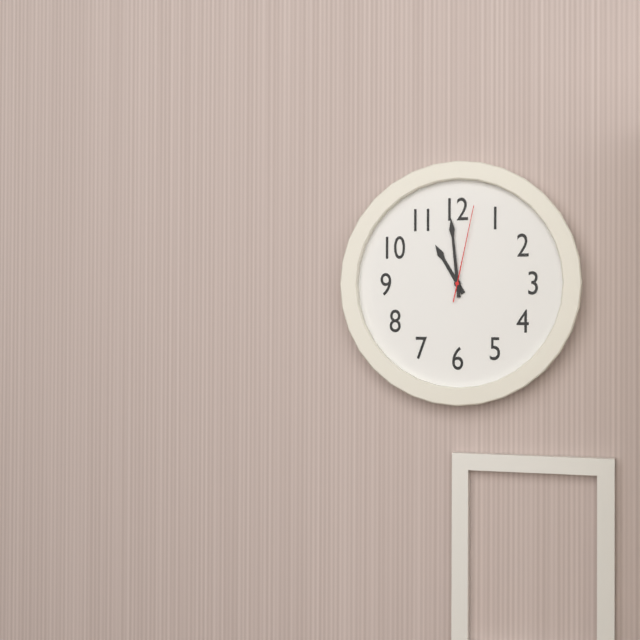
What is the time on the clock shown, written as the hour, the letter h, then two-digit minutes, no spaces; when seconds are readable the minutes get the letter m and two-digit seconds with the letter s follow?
10h59m02s
